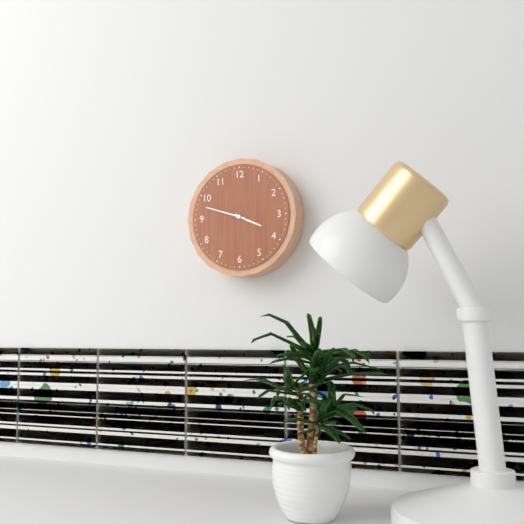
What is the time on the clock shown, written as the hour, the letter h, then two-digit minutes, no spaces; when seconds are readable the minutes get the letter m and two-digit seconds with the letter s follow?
3h48
